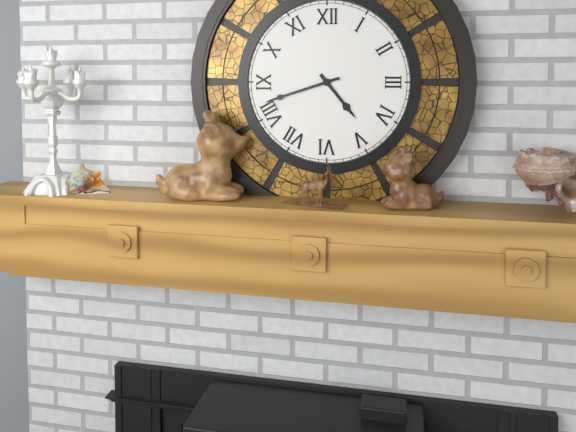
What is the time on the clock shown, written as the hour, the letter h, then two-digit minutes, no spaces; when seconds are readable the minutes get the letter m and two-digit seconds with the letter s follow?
4h42
